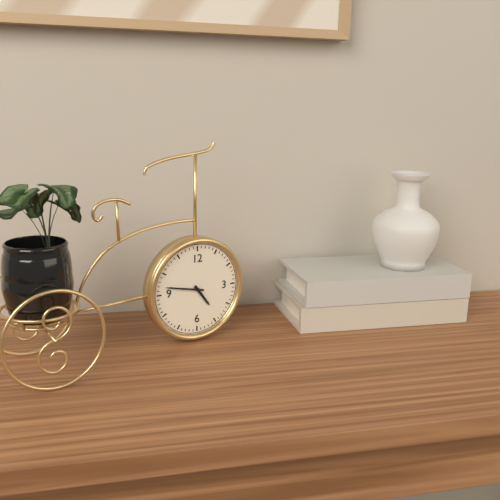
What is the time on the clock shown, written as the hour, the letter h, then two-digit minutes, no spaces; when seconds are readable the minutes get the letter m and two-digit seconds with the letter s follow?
4h47
